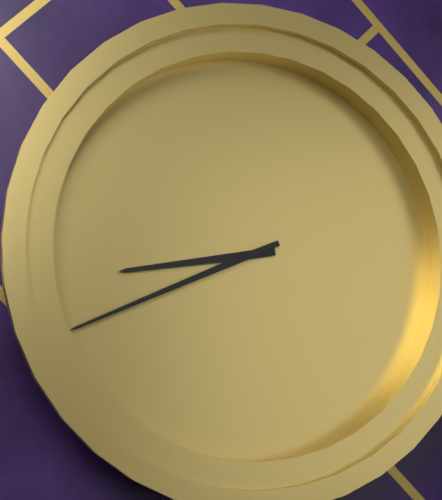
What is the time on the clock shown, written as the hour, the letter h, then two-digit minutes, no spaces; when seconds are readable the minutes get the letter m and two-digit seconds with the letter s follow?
8h41
